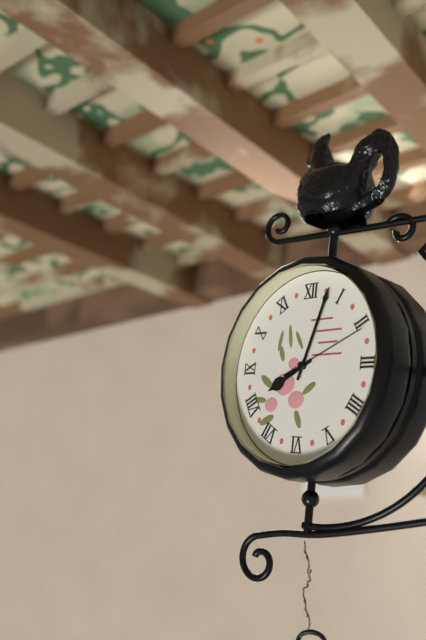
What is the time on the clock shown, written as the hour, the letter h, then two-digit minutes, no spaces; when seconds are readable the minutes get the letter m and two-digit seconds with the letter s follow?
8h03m11s
